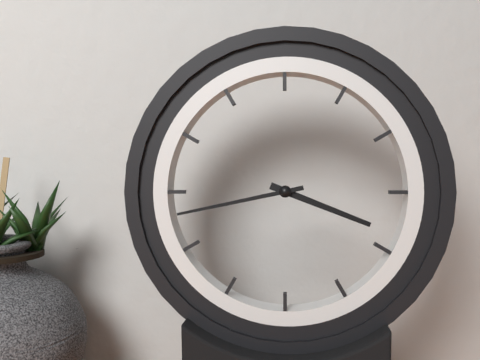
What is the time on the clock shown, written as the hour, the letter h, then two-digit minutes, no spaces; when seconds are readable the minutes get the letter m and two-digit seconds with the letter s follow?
3h43
